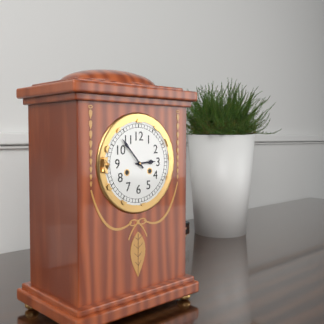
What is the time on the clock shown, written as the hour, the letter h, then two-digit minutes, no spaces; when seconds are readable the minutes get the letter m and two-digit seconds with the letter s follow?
2h53
